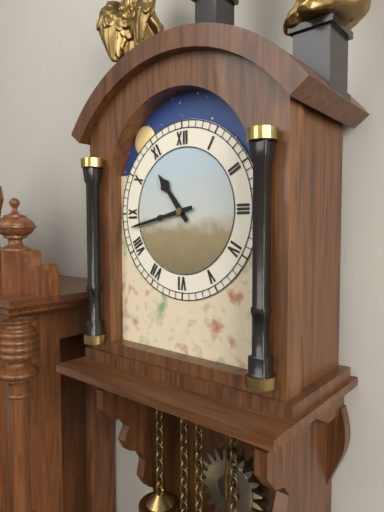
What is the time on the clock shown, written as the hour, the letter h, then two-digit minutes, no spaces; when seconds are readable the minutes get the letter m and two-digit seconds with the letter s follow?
10h43
